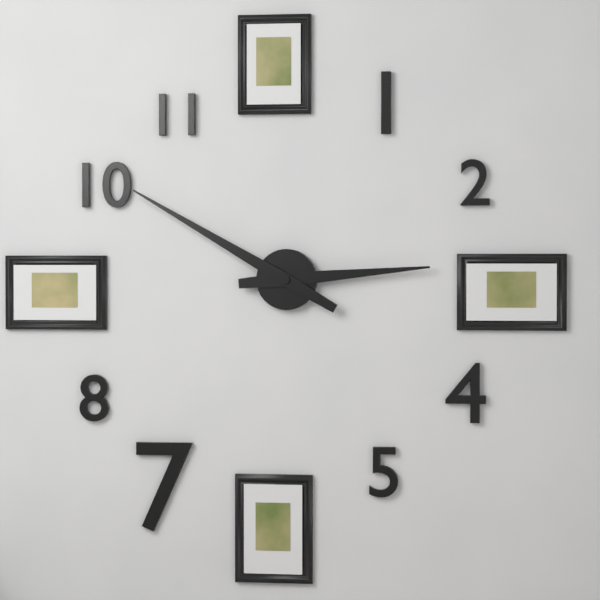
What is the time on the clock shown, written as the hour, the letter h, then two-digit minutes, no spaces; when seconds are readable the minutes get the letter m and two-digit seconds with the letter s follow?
2h50
